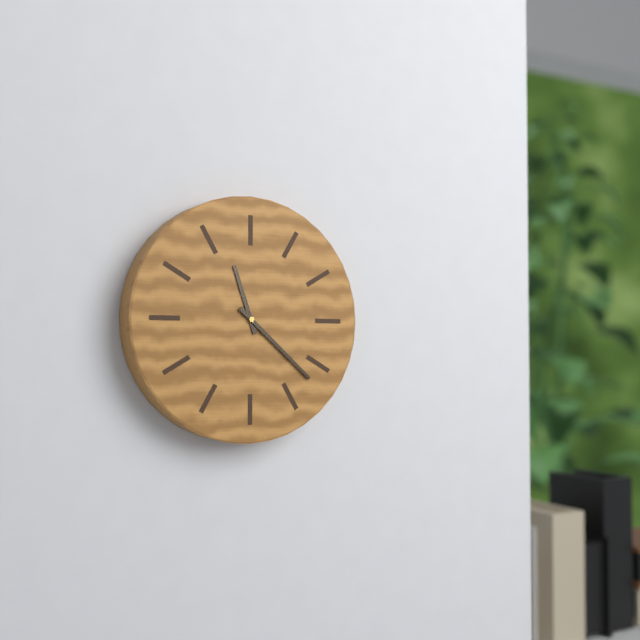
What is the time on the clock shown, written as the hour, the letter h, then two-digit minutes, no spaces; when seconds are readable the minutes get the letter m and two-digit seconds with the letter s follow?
11h22
